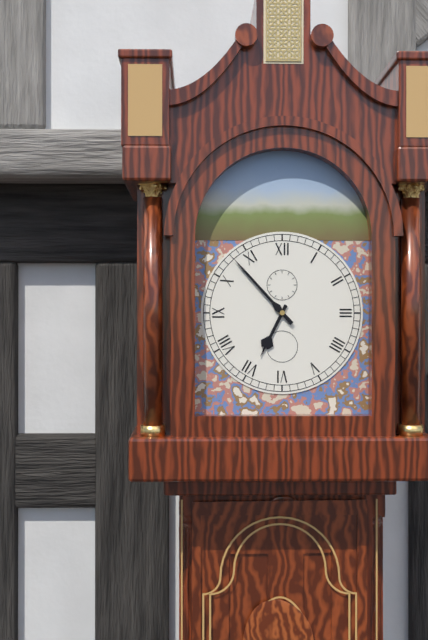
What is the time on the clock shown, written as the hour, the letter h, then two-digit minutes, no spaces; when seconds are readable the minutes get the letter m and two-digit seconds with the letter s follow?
6h53
